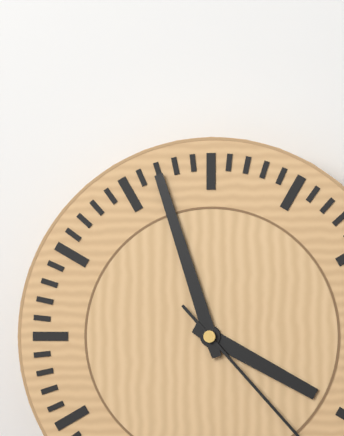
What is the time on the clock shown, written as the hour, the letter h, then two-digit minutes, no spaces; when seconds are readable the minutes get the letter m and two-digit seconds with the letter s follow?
3h57
